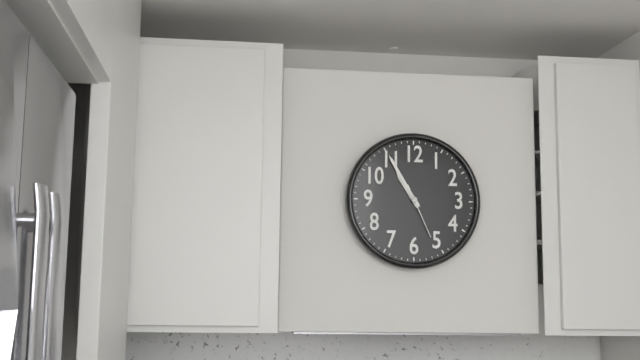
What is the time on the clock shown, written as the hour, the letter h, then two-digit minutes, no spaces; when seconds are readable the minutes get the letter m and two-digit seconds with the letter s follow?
10h55m26s
